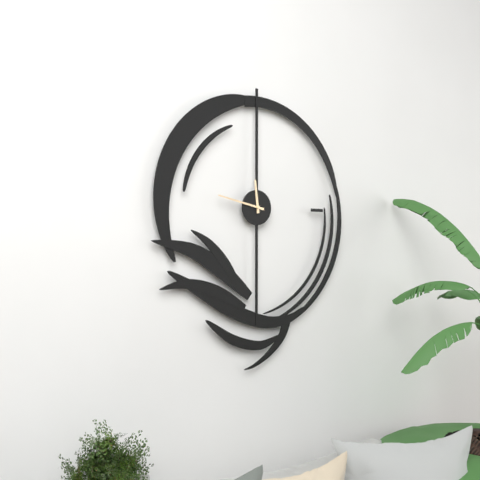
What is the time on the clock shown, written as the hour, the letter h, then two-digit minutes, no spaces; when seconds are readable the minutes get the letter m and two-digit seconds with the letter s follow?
11h47
